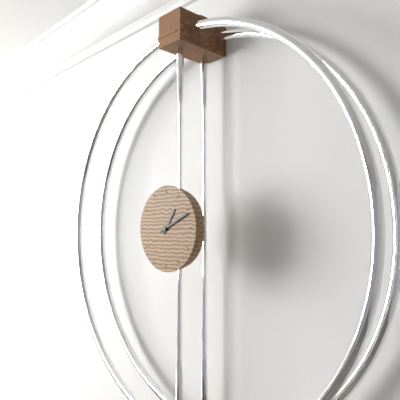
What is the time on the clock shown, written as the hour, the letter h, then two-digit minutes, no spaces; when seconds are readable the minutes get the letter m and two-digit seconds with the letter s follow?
1h11
